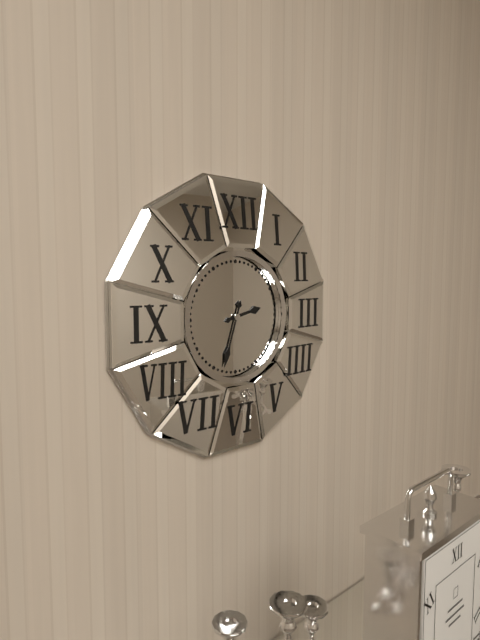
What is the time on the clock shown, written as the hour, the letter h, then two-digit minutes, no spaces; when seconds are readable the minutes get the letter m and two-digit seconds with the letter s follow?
2h33
